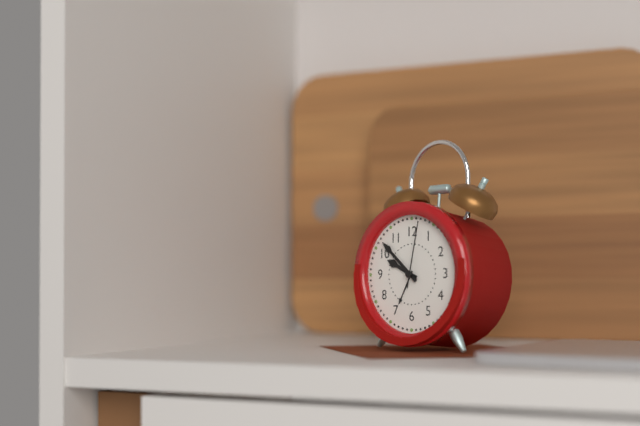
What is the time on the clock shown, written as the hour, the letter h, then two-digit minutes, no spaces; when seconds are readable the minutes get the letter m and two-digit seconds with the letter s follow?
9h52m02s
